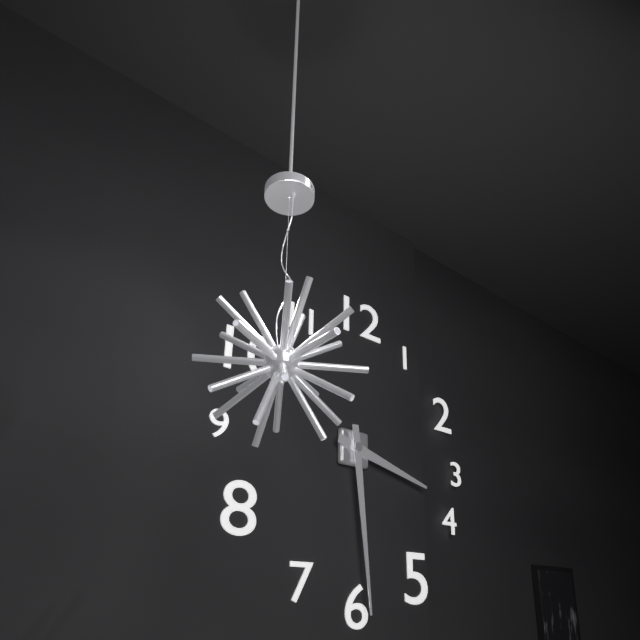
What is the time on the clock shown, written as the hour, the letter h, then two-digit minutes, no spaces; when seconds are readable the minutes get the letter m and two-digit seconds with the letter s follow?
3h29
